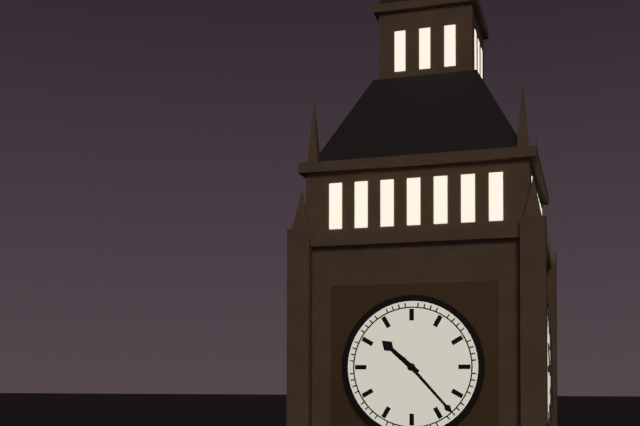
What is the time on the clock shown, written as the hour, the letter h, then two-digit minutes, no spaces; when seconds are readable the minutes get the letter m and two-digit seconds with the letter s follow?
10h23
